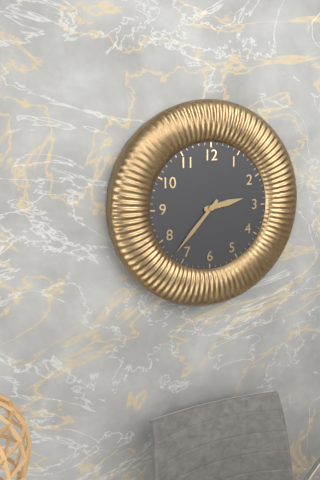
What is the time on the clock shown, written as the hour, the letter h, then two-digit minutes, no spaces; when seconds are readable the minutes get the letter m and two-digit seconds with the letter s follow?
2h37
